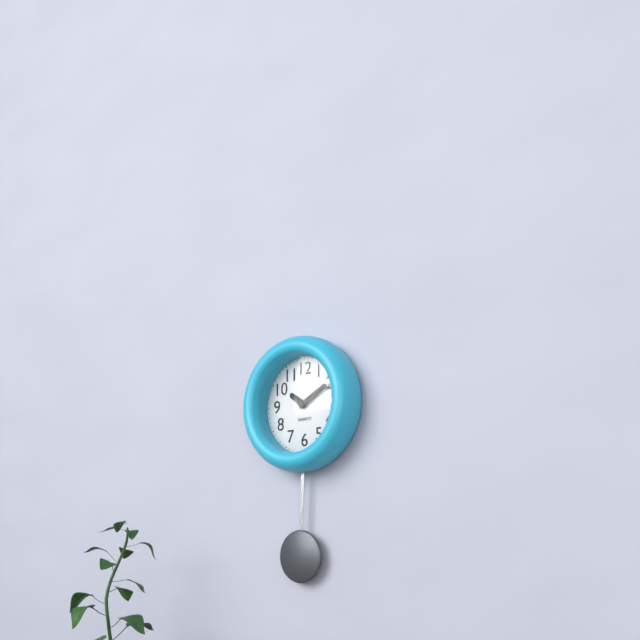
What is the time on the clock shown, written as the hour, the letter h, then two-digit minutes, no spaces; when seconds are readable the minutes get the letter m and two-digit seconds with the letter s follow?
10h10
